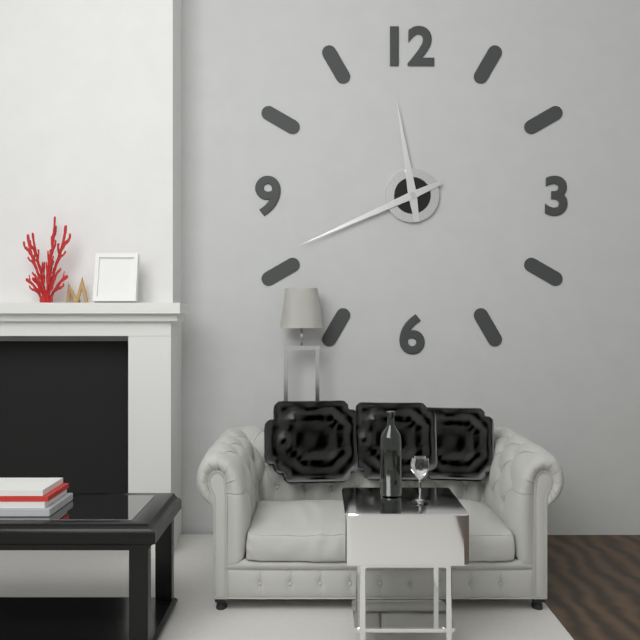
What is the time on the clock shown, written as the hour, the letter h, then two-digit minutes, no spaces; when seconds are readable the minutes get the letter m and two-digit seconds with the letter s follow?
11h41
